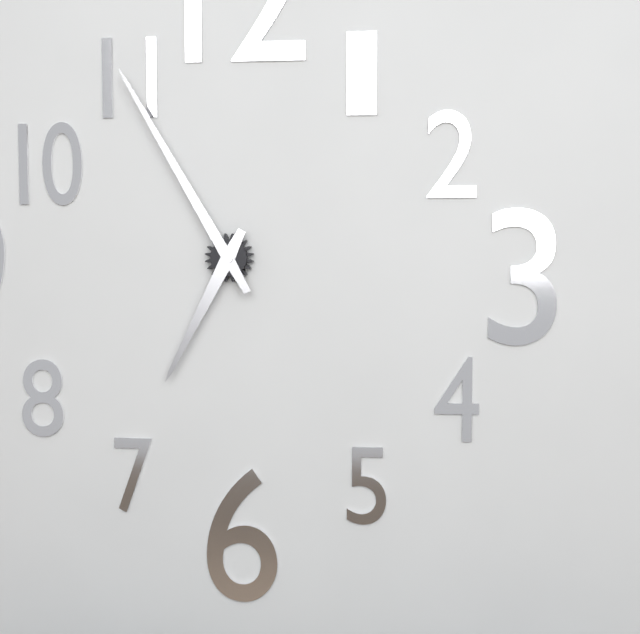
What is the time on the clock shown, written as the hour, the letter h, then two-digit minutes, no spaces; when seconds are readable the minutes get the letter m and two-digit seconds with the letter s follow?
6h55
